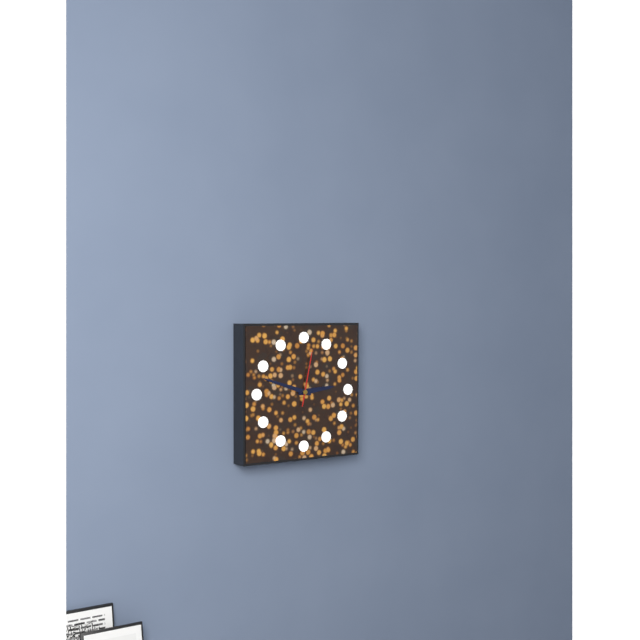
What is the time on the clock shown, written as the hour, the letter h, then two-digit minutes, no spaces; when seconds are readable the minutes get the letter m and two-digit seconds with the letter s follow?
2h48m02s
